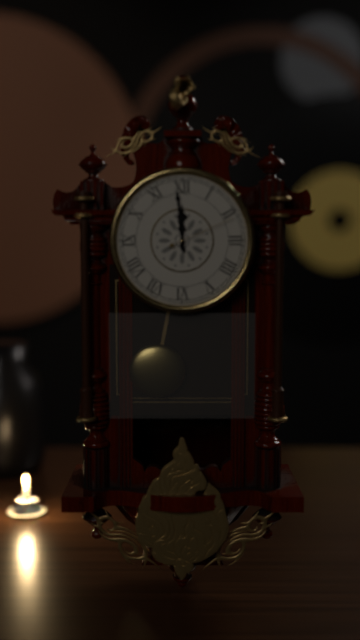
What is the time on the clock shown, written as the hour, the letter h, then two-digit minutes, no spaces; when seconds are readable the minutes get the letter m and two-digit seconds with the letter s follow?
11h59m11s
